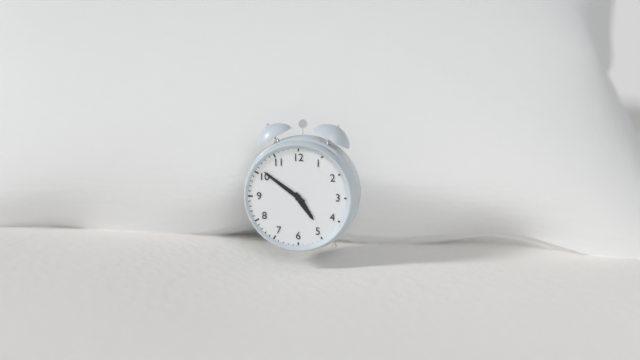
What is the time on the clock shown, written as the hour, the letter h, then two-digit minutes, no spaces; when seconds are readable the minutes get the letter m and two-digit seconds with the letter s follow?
4h51
